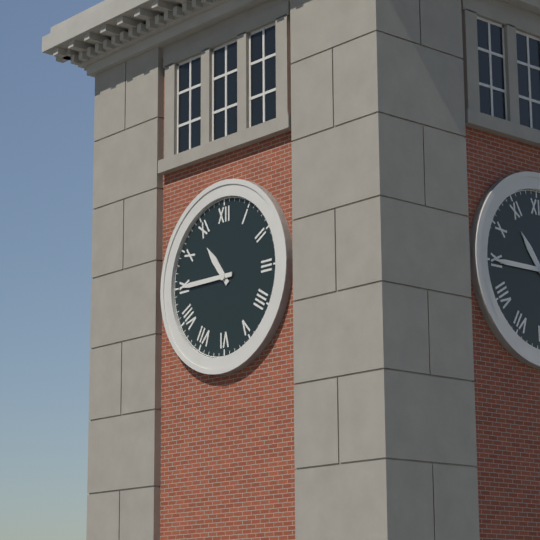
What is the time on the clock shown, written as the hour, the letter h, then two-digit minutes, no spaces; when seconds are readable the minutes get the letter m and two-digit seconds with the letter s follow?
10h45
